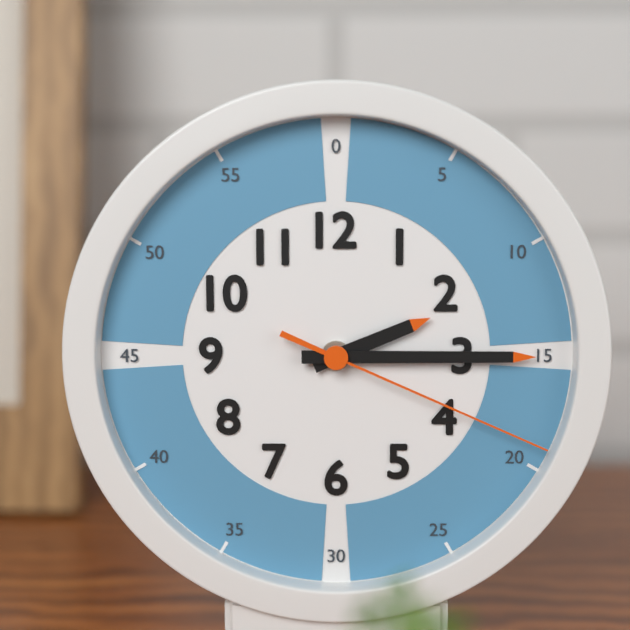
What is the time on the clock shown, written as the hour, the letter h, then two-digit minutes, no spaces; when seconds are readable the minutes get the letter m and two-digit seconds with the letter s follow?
2h15m19s
